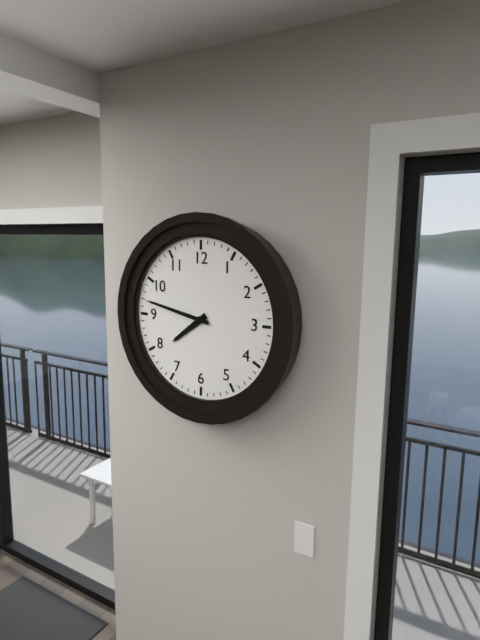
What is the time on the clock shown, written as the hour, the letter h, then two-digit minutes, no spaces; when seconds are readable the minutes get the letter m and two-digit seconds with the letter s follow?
7h47
